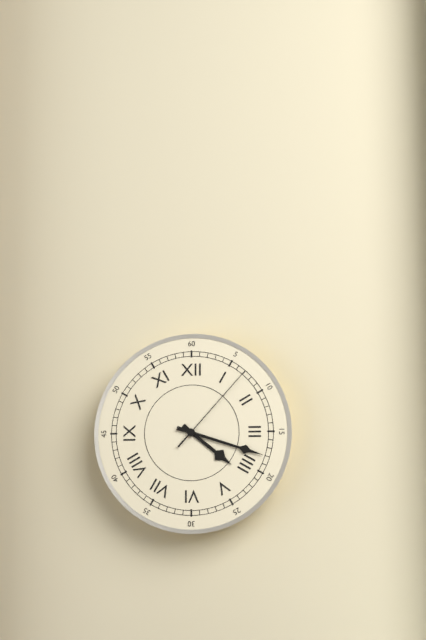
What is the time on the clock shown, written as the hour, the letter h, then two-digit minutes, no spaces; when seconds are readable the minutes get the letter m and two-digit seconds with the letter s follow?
4h18m07s
